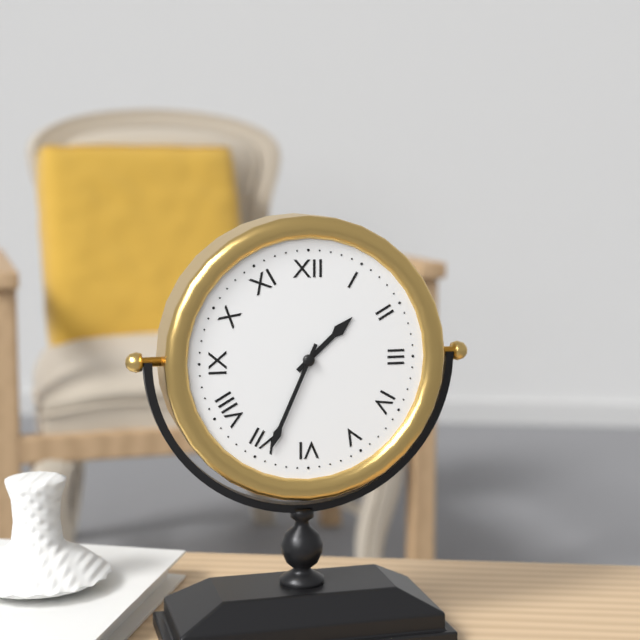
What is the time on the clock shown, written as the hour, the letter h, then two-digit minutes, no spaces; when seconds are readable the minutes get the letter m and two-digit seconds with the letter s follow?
1h34
